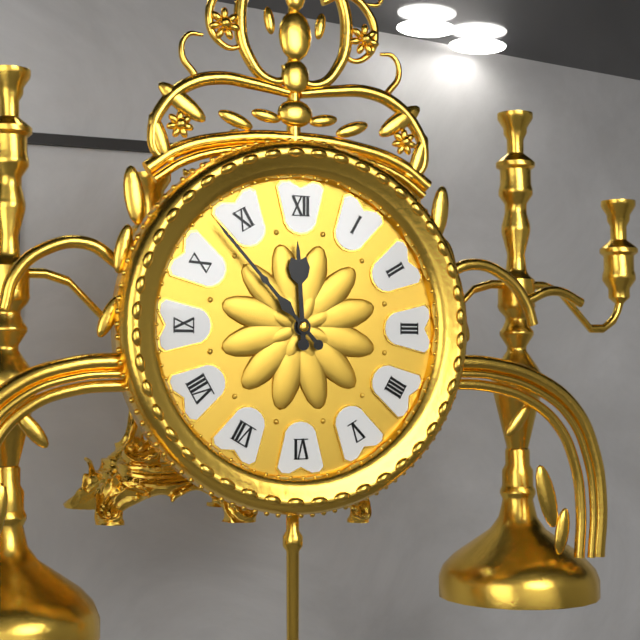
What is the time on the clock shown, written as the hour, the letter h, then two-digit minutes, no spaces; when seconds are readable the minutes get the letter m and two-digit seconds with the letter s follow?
11h53
